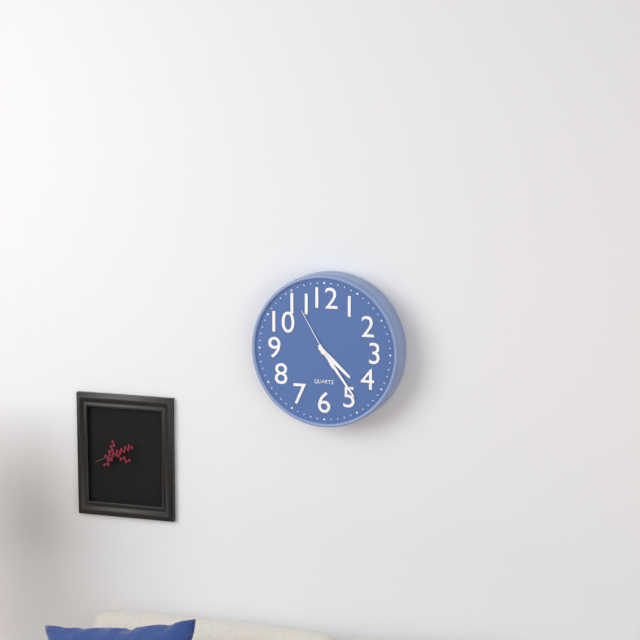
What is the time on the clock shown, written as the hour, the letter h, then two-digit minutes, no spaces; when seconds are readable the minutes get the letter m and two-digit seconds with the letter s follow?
4h24m55s
